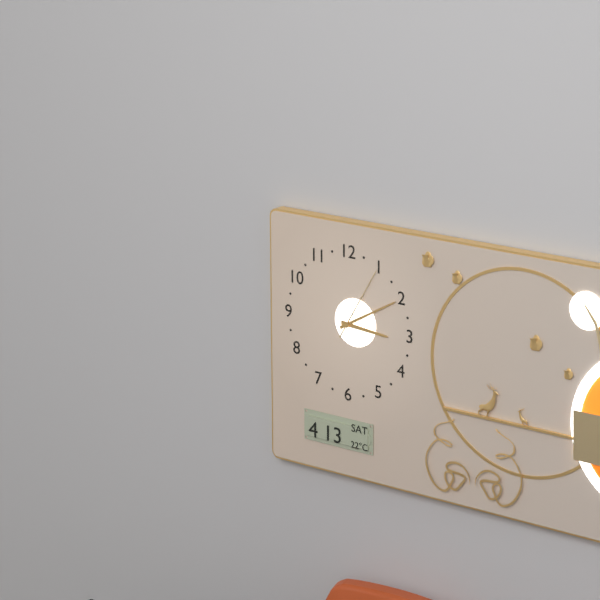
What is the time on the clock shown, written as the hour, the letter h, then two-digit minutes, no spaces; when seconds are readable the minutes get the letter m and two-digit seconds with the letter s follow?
3h10m05s
